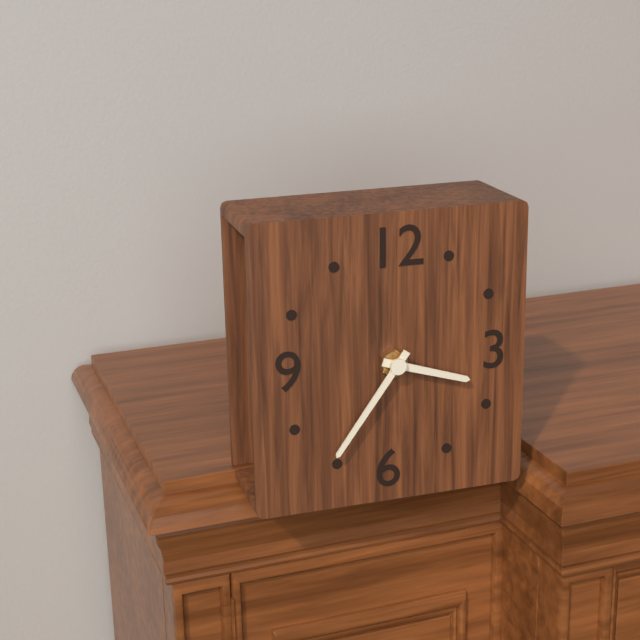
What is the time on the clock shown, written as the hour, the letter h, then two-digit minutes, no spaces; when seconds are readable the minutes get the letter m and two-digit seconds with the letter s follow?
3h36
